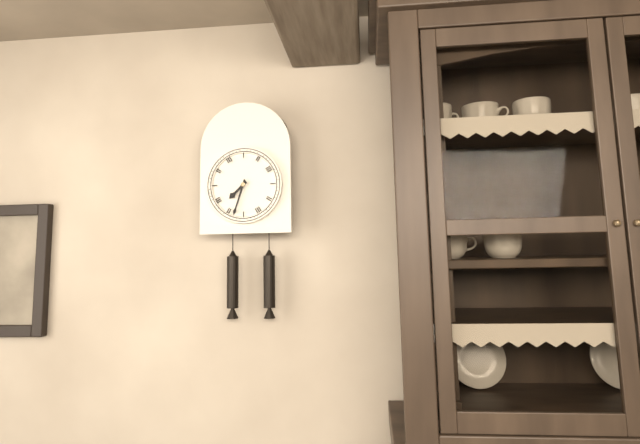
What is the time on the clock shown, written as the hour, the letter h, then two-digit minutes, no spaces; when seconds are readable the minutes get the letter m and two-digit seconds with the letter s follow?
7h33
